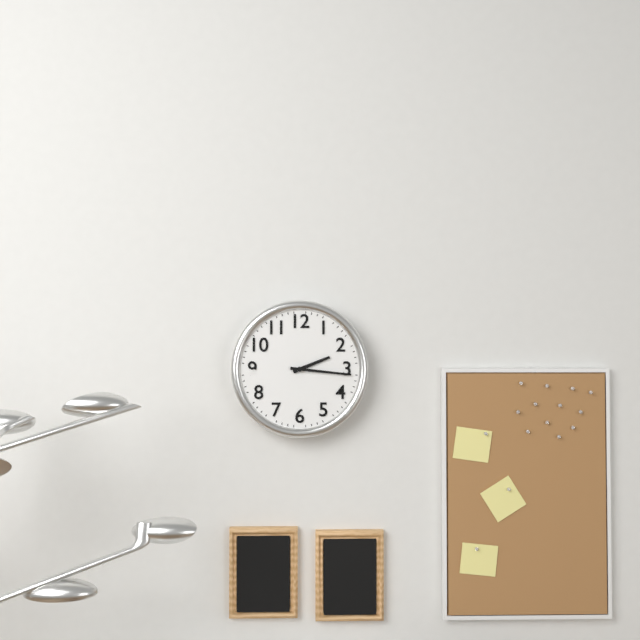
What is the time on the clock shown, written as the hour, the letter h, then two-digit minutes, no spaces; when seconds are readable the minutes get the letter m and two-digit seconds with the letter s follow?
2h16
